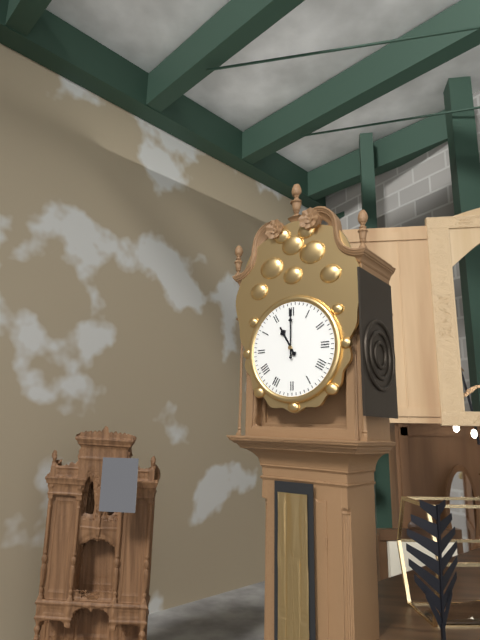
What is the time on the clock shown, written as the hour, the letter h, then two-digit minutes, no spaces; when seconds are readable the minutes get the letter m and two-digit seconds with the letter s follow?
11h00
